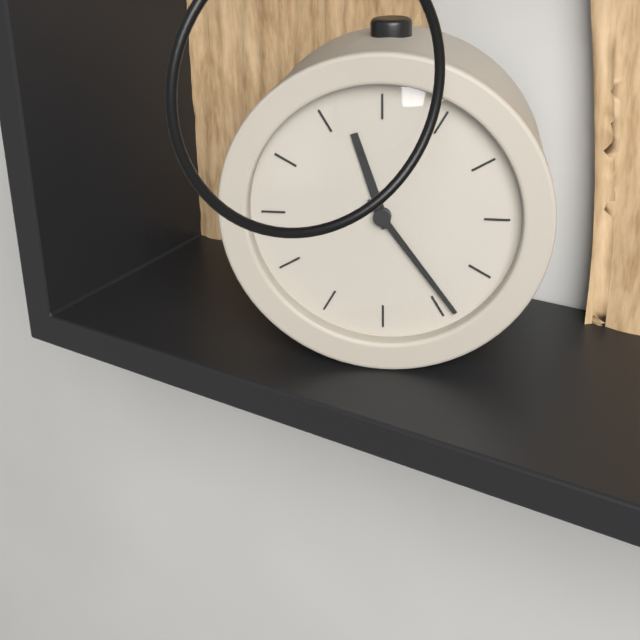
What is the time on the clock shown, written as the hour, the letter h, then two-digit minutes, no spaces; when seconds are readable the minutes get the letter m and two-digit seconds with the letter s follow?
11h24m24s
